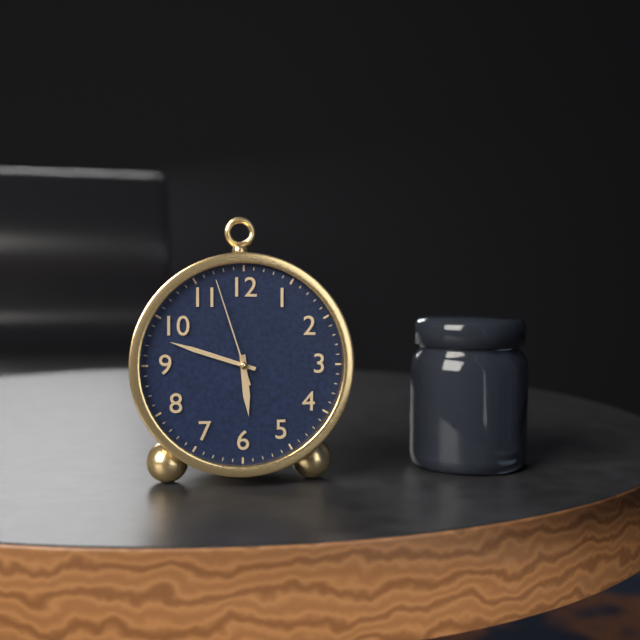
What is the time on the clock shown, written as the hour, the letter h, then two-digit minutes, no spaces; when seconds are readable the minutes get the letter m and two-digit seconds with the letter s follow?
5h48m57s
